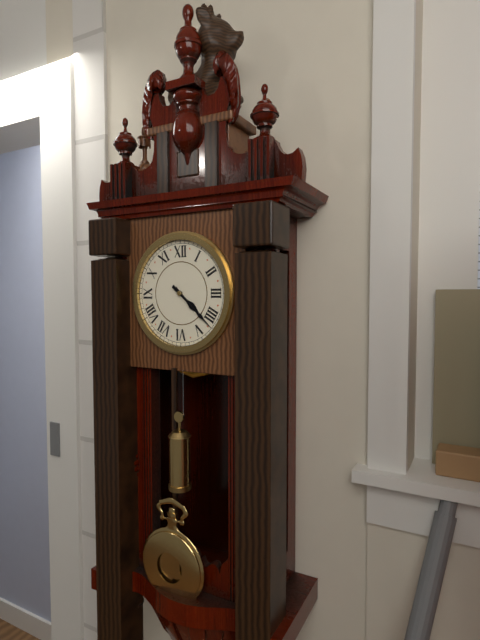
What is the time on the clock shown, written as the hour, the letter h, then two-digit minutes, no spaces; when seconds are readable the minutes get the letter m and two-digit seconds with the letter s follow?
4h22
